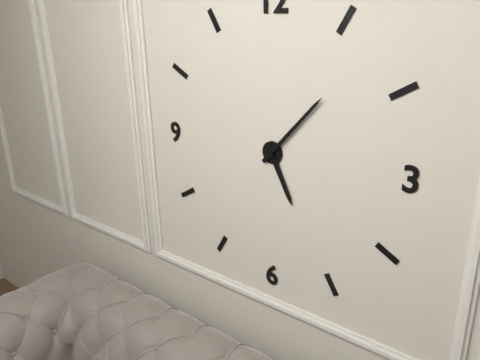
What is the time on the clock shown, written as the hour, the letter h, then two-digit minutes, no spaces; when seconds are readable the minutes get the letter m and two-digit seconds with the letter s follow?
5h07
